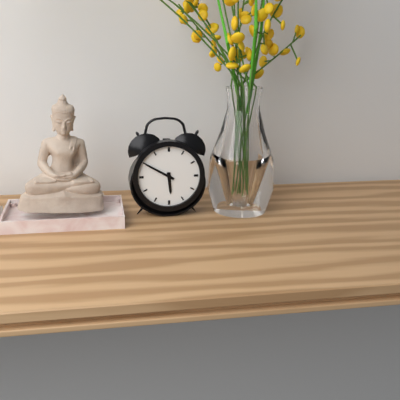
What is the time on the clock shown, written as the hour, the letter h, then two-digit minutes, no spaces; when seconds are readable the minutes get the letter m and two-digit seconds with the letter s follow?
5h50
